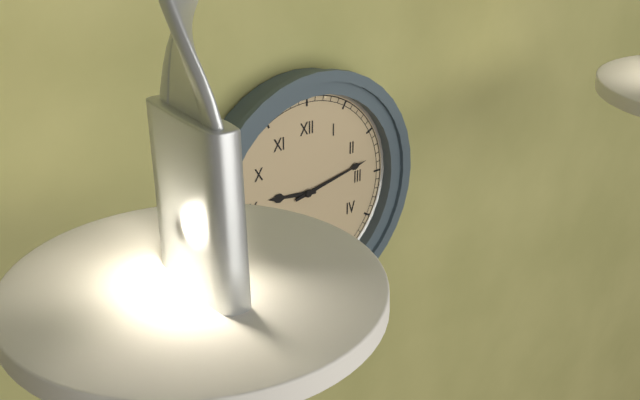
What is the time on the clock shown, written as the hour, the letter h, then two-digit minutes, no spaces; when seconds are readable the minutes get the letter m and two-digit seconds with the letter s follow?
9h13
